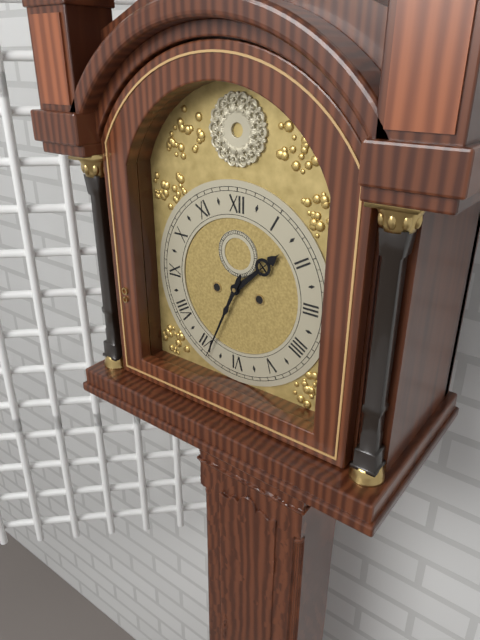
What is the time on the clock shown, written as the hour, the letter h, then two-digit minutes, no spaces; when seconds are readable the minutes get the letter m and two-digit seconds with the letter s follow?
1h34
